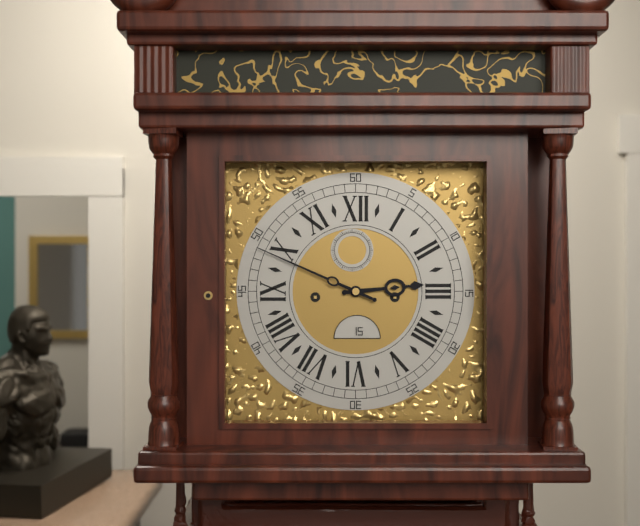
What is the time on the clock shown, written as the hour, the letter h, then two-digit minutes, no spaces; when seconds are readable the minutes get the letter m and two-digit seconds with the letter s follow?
2h49
